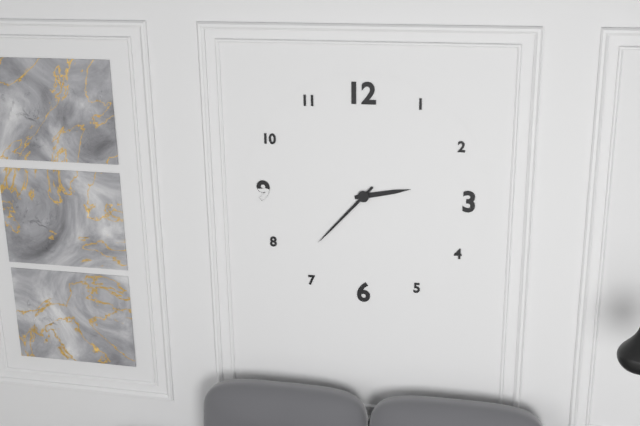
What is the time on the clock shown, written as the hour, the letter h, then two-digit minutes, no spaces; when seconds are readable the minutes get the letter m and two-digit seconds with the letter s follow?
2h37
